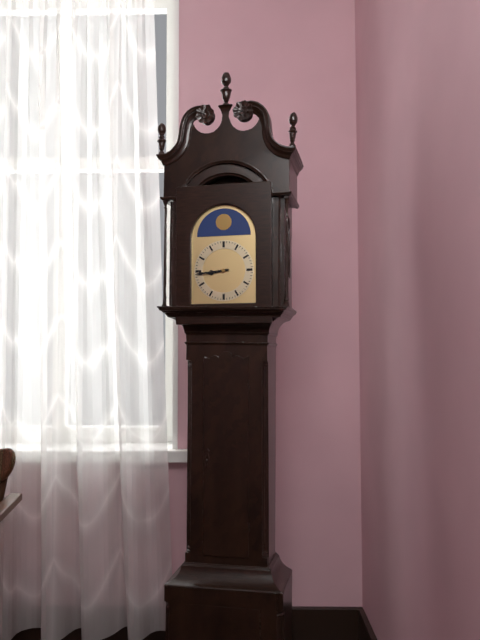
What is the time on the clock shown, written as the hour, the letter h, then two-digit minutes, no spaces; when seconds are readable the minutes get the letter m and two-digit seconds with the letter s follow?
8h44
